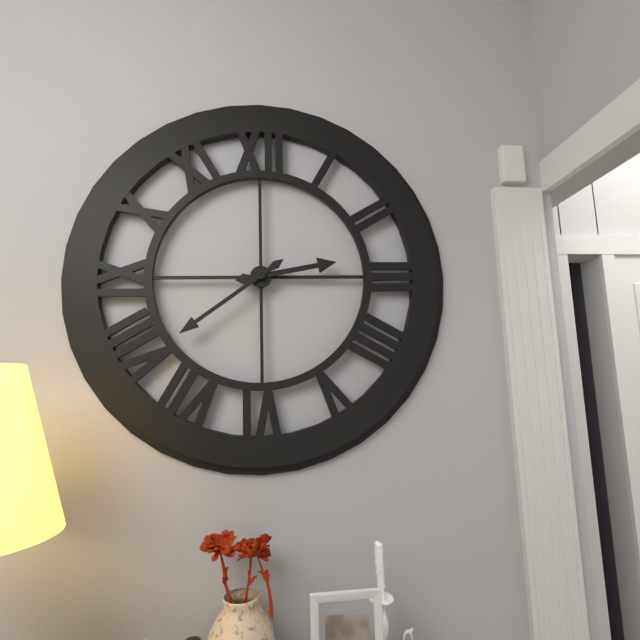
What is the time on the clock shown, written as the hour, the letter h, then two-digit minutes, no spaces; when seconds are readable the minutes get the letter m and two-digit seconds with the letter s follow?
2h39
